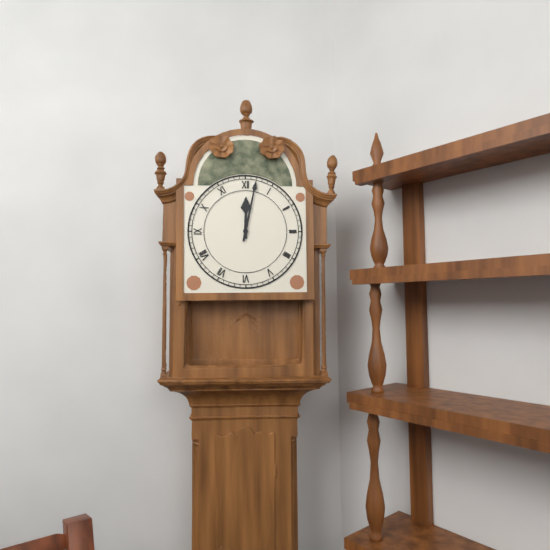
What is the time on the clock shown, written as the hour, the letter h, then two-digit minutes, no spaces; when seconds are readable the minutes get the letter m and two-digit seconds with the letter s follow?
12h02
